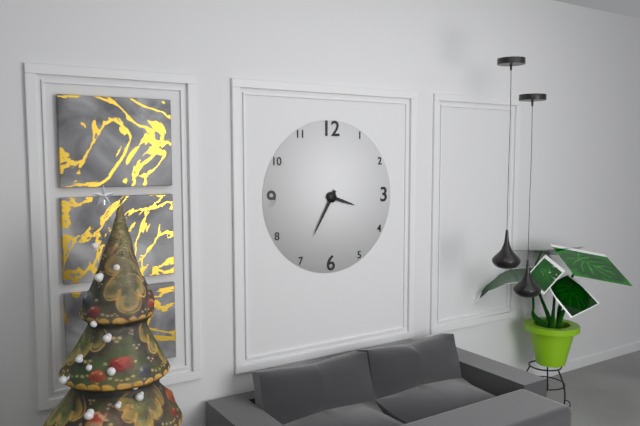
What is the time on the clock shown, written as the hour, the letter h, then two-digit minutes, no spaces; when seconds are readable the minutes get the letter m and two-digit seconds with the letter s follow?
3h35
